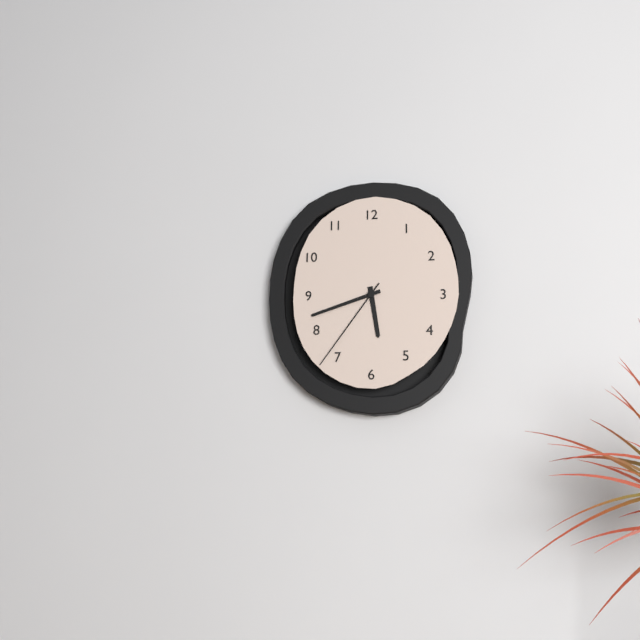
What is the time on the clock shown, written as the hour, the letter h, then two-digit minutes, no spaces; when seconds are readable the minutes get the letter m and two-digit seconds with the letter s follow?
5h42m36s
